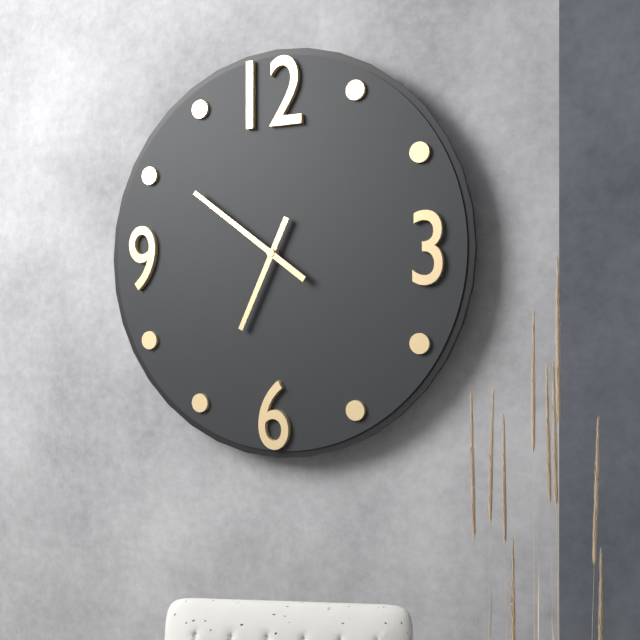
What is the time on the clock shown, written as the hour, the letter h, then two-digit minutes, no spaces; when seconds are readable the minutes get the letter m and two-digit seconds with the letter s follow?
6h51
